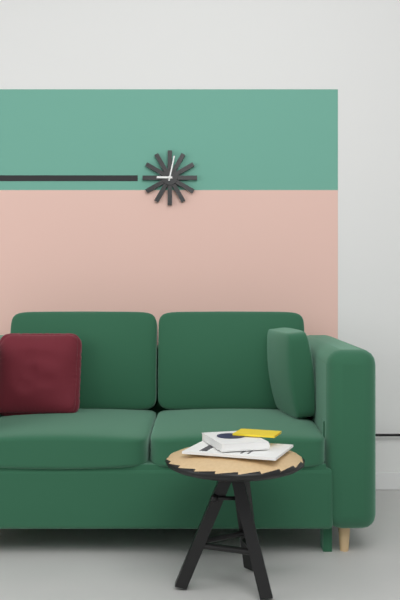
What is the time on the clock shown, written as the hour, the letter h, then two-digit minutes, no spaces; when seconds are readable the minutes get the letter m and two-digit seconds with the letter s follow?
9h02
